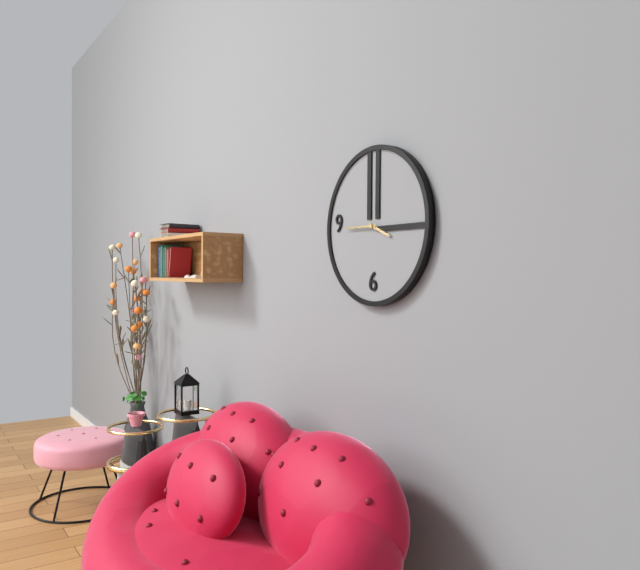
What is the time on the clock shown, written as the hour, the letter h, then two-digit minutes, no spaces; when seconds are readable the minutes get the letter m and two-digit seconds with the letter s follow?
3h45
